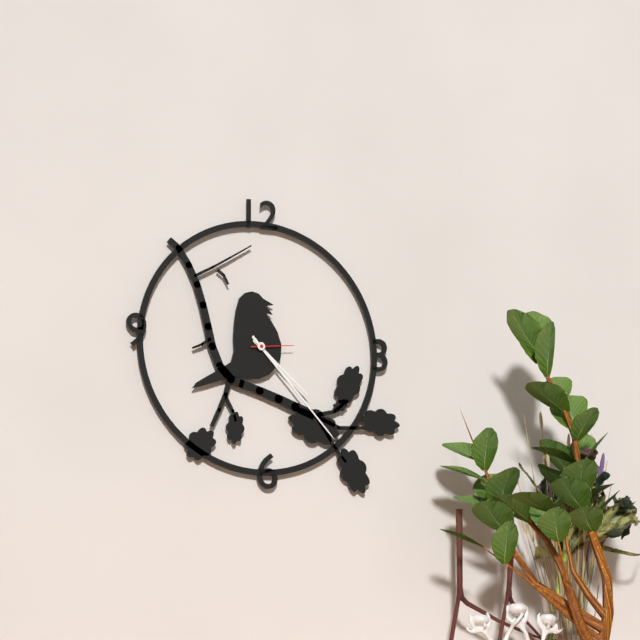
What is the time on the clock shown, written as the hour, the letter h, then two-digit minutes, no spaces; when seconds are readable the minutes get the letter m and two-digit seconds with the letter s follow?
4h23
